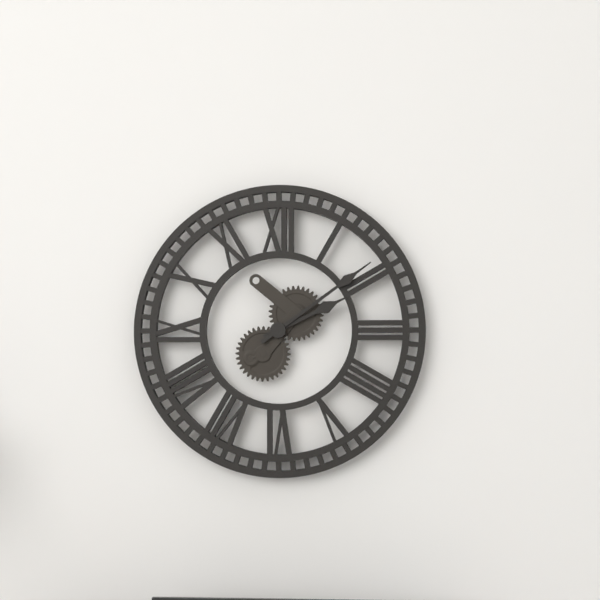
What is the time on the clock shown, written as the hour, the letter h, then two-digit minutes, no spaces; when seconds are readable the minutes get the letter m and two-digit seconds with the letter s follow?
2h09
